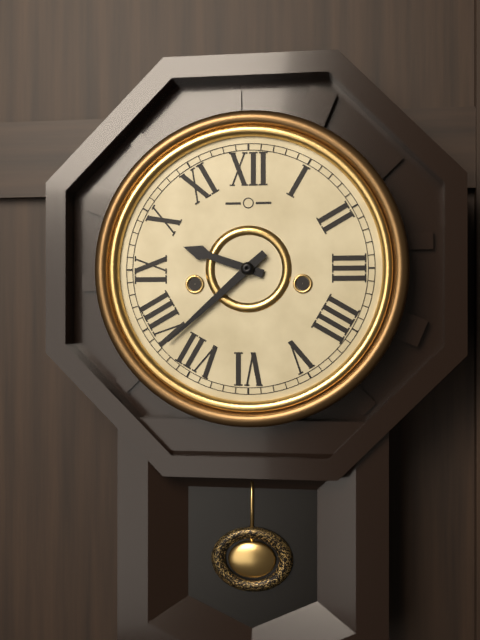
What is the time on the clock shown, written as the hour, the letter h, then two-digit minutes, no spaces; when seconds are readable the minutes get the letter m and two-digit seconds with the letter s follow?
9h38
